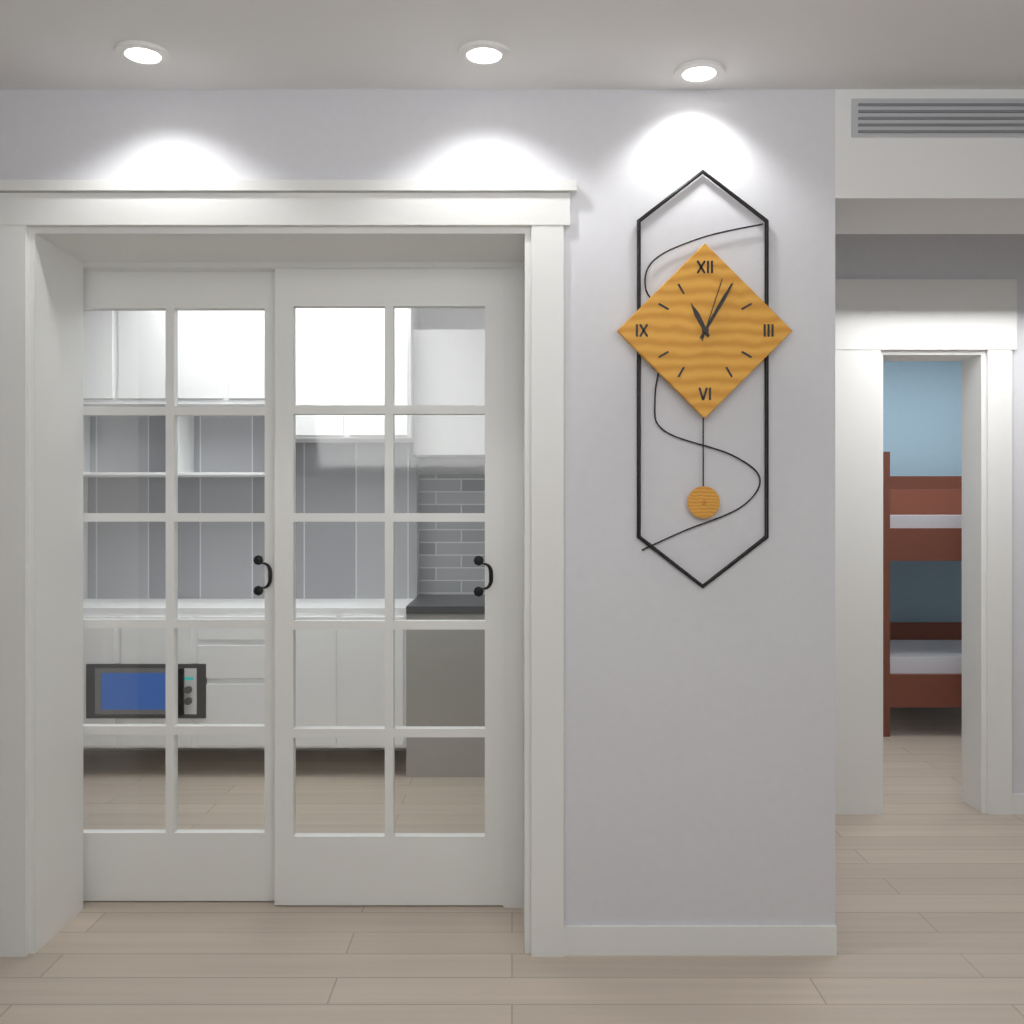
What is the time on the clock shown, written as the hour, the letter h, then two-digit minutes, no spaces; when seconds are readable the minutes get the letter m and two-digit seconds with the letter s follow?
11h05m03s
